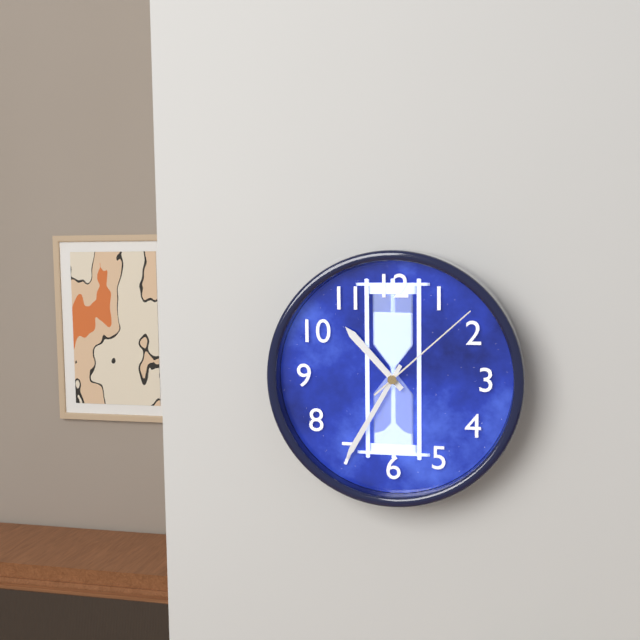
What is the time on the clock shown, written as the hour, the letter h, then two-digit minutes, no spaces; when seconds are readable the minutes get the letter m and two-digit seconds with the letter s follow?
10h35m08s
